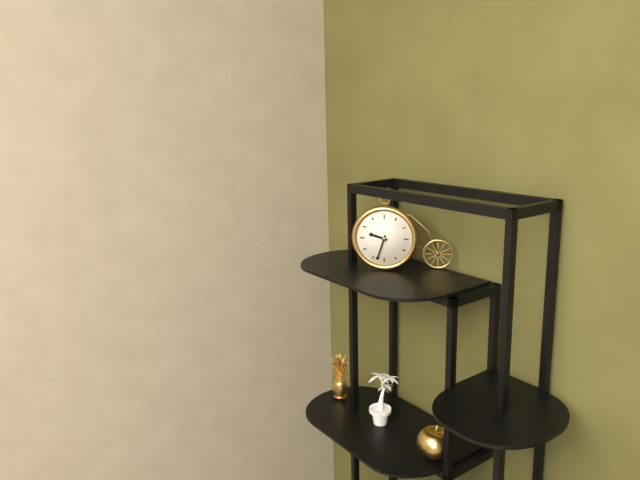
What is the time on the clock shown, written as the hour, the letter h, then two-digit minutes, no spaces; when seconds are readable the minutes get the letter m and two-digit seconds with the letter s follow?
9h33
